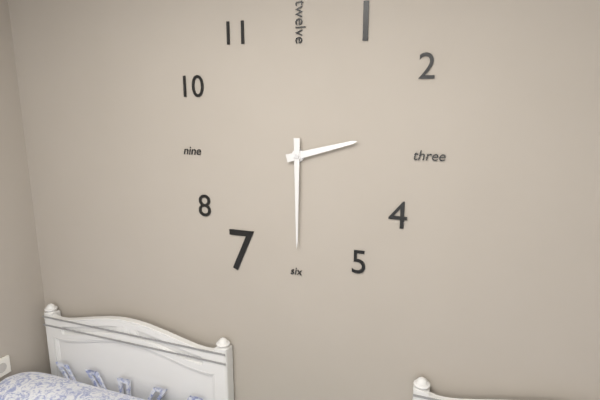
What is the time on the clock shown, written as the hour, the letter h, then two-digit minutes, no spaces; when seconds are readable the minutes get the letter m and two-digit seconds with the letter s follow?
2h30
